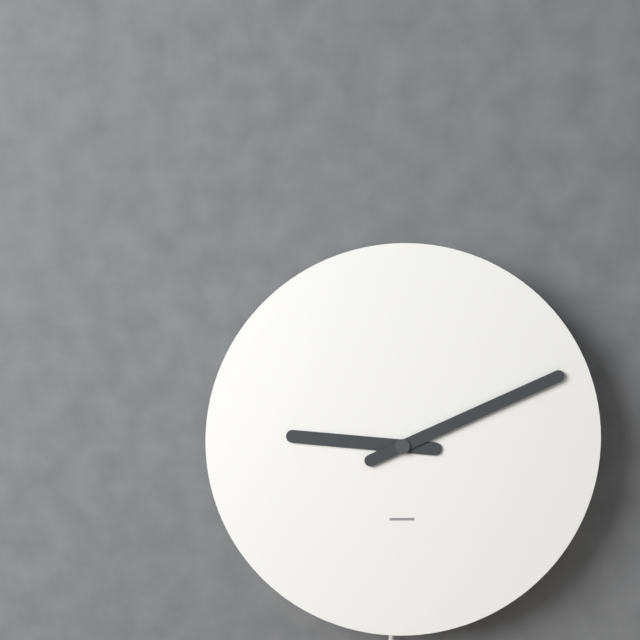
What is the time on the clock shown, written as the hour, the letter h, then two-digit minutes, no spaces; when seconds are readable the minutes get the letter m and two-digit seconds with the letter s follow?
9h11
